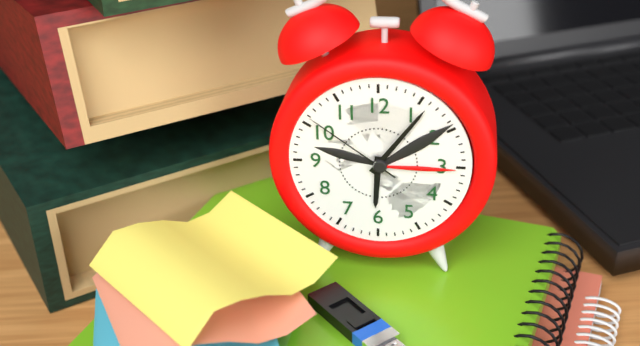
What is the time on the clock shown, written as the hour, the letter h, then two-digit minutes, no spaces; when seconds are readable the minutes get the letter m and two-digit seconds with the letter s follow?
6h06m51s
